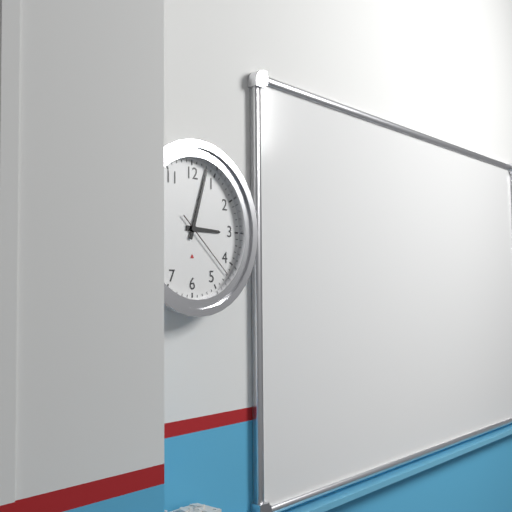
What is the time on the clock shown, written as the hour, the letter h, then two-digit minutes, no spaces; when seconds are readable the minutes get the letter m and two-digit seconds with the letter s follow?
3h03m22s
